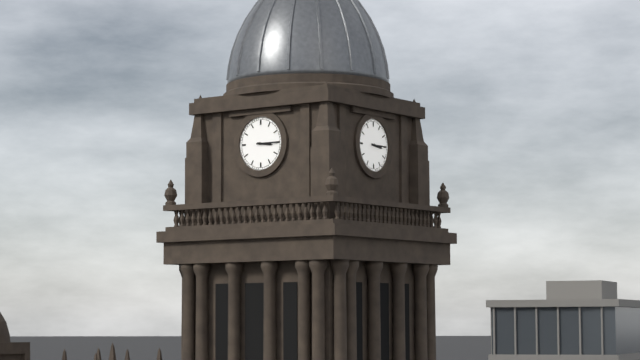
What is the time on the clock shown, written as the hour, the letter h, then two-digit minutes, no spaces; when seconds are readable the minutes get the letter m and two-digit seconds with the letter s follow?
3h15
